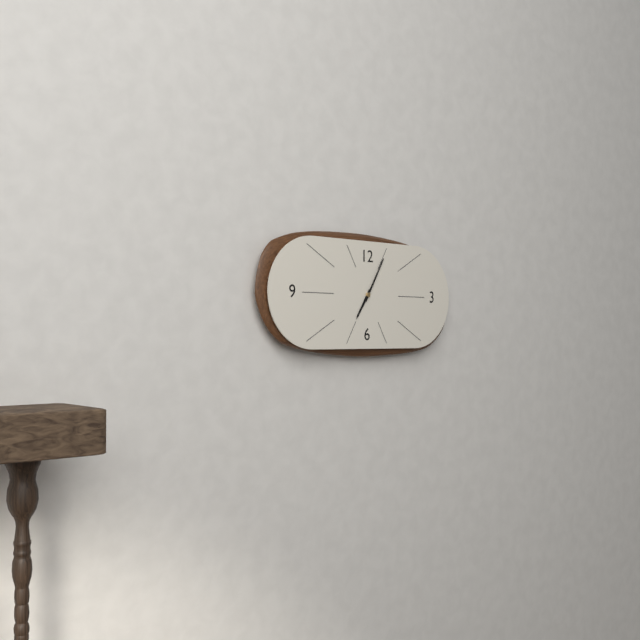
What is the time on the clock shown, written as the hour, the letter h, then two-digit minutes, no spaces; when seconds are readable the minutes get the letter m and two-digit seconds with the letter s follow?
7h05
